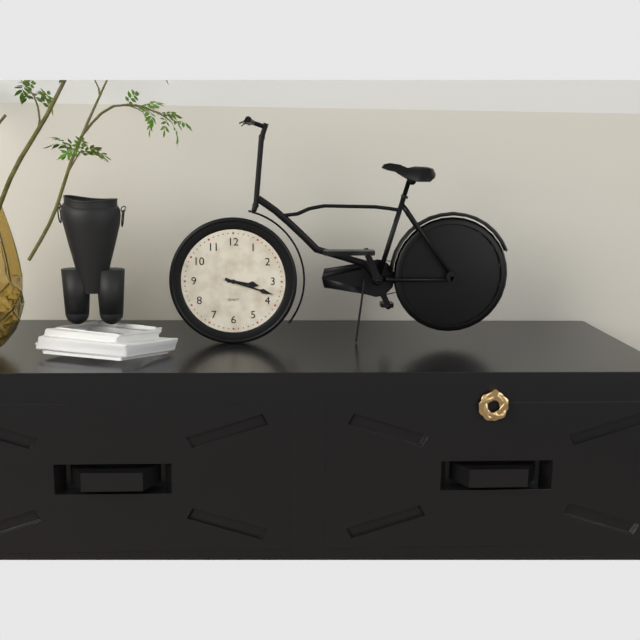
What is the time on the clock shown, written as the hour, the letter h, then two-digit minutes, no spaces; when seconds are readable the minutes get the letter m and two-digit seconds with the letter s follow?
3h18
